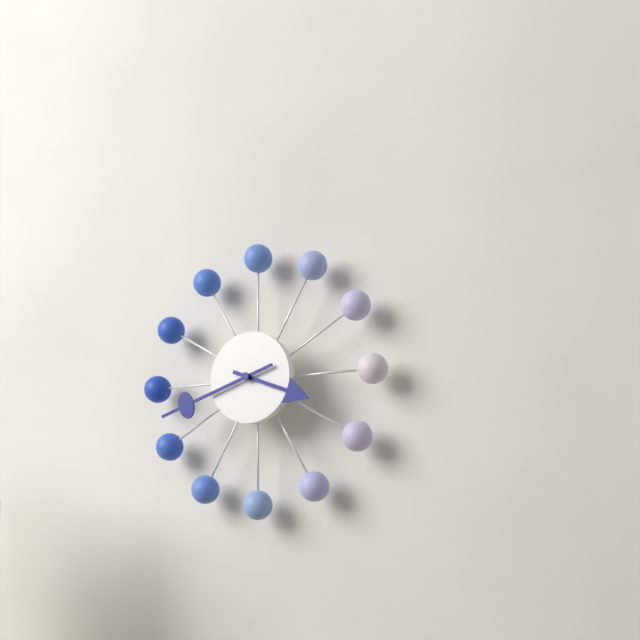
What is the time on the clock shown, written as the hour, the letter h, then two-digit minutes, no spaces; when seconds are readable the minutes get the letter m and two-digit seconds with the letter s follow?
3h42
